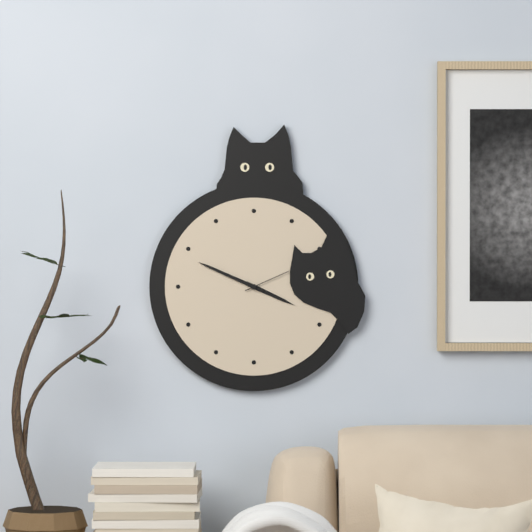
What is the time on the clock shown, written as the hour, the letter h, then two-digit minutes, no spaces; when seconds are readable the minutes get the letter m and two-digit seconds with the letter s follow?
3h49
